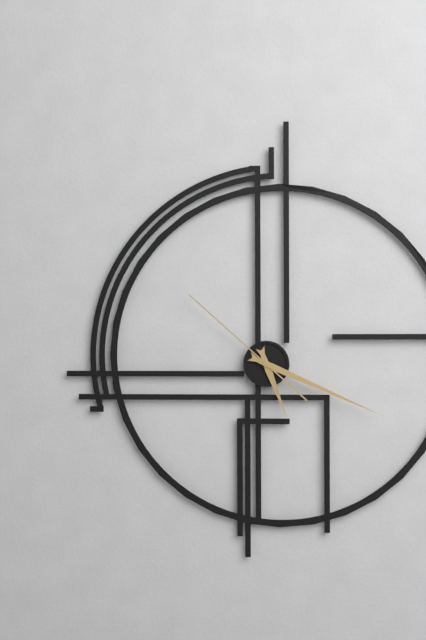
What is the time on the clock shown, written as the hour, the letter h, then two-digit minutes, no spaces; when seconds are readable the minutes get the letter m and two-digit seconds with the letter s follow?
5h19m52s
